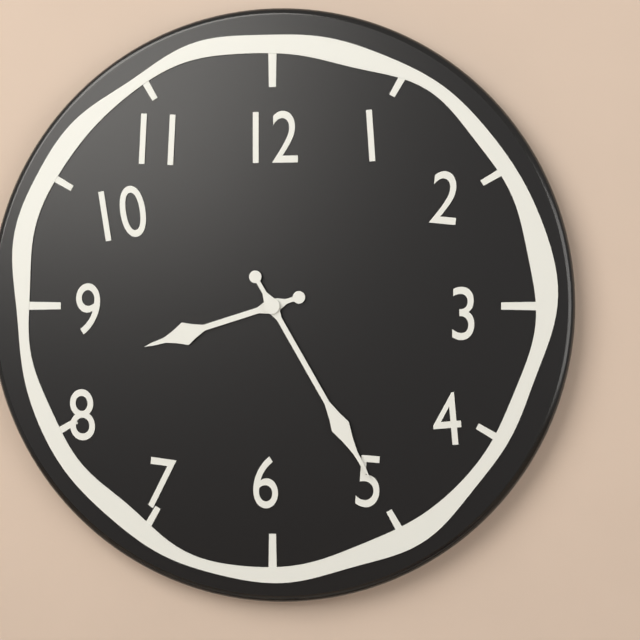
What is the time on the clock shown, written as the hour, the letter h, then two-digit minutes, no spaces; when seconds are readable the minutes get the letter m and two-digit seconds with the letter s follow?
8h25
